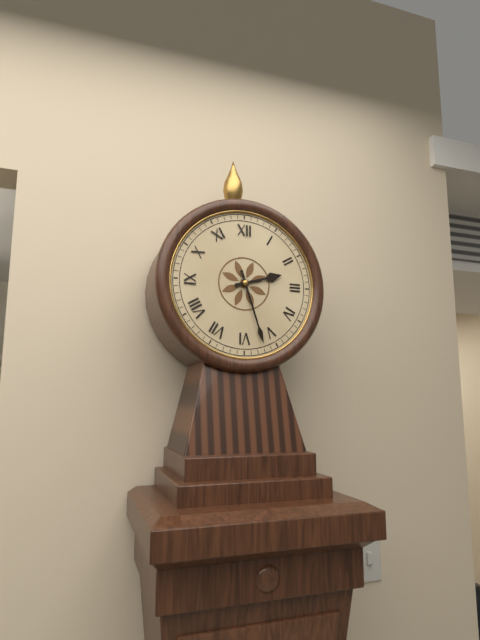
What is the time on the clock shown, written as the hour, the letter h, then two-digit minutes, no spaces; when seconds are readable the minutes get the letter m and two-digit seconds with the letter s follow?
2h27
